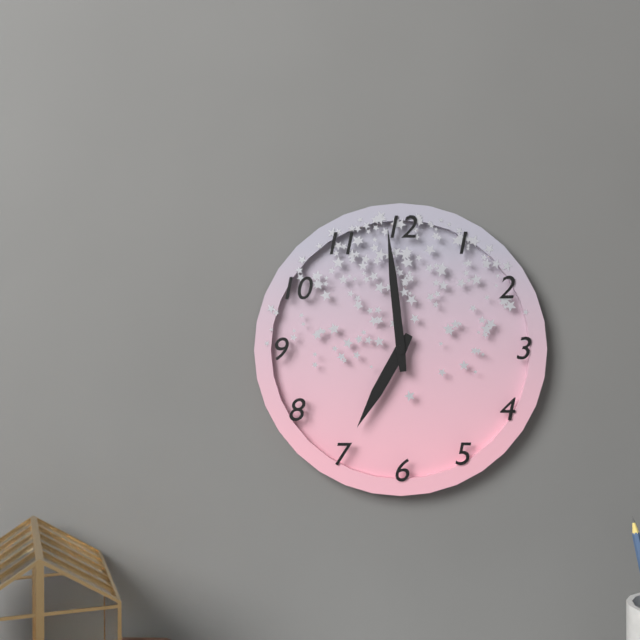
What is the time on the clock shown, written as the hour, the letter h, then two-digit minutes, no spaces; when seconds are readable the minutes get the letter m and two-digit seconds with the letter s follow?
6h59
